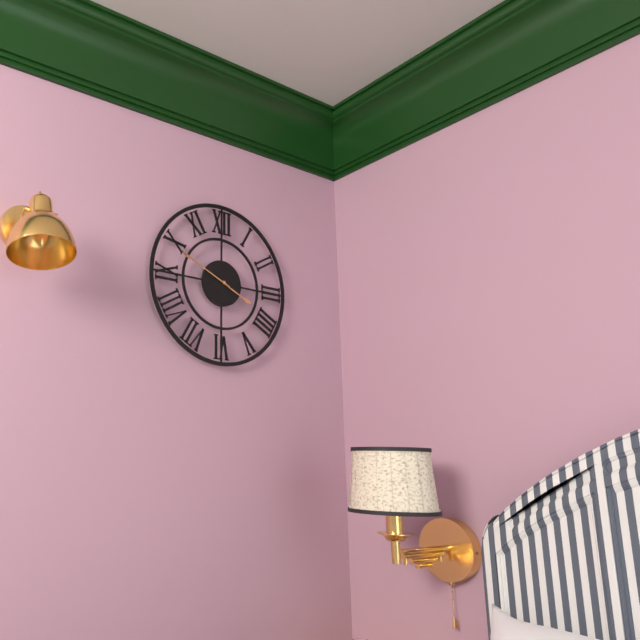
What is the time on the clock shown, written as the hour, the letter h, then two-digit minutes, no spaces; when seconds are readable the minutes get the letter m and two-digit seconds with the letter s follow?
3h49
